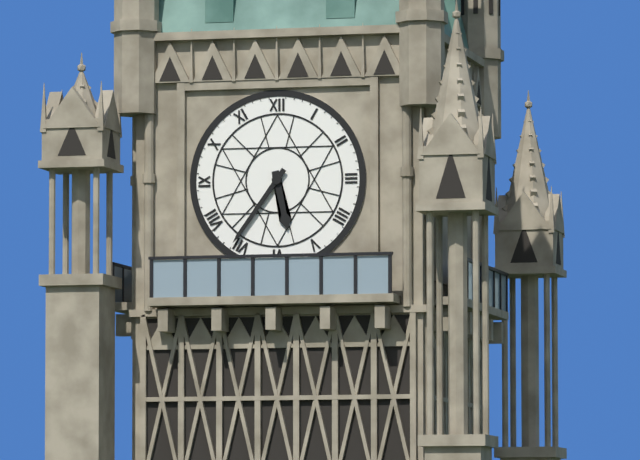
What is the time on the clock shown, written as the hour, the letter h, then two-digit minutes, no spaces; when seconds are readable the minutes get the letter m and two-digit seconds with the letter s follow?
5h36
